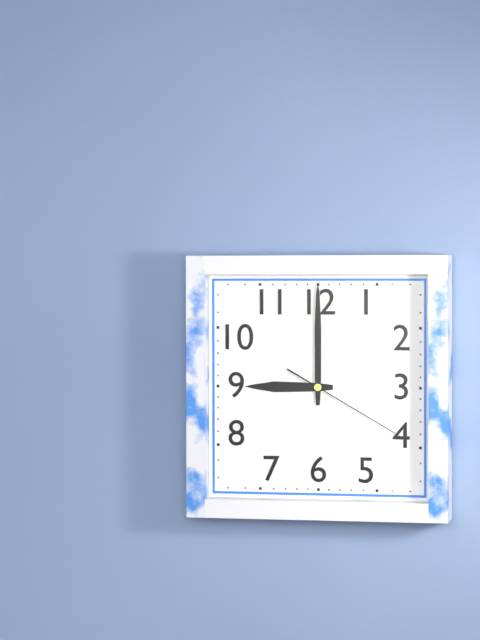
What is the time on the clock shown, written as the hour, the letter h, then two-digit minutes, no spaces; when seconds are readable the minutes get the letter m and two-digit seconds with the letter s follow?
9h00m20s
